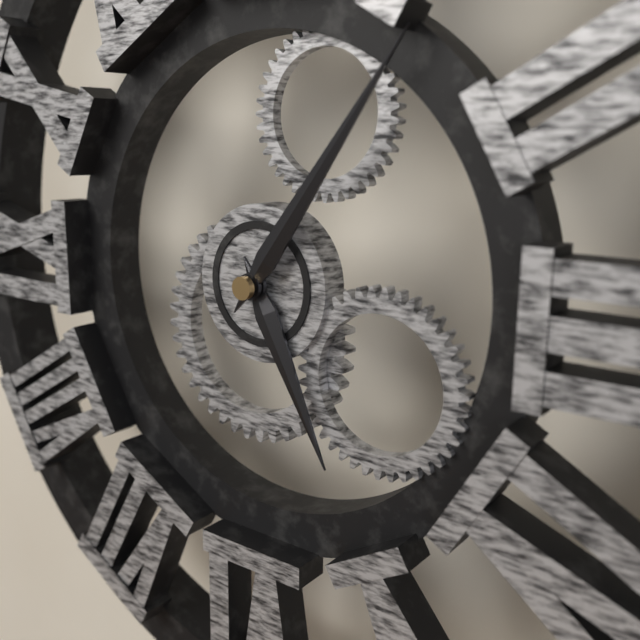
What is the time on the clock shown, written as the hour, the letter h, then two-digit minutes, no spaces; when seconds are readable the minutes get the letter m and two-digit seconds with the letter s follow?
5h06
